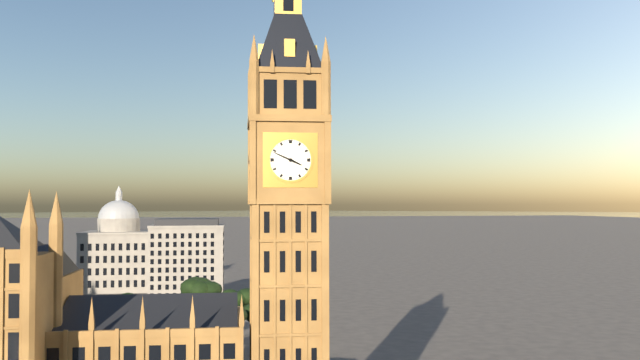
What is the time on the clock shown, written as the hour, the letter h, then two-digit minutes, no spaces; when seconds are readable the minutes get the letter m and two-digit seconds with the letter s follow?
3h49
